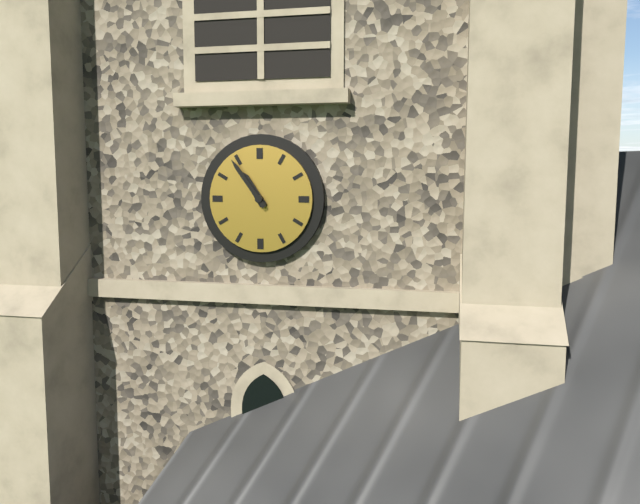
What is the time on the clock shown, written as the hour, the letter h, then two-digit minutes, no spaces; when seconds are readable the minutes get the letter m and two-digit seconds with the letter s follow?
10h54
